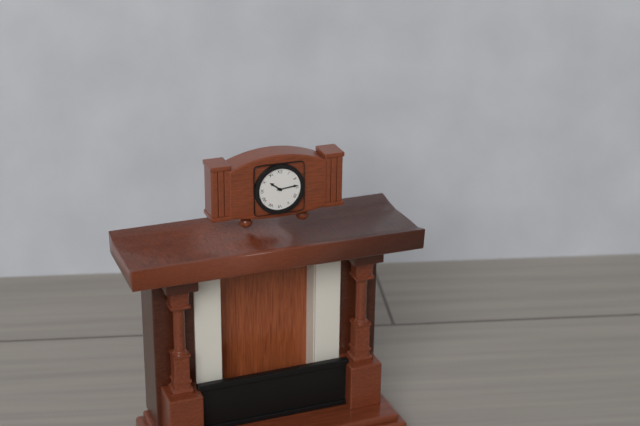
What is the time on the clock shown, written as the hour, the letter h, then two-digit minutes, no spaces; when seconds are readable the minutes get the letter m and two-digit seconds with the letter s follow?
10h14
